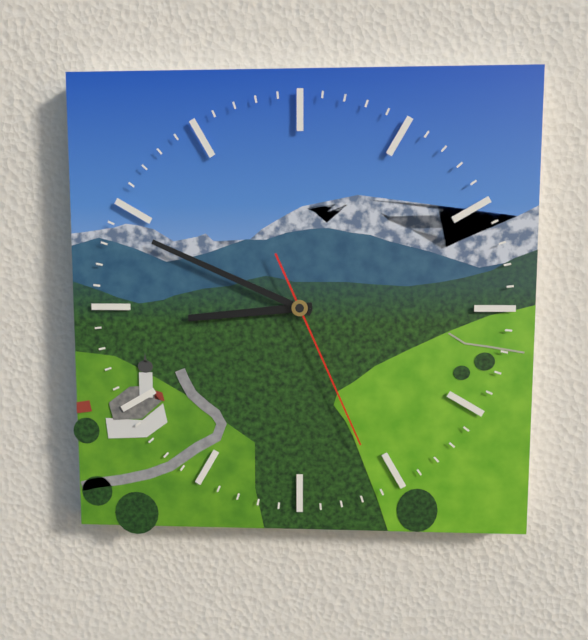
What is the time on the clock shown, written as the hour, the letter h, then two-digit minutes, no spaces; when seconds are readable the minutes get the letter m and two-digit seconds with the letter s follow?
8h49m26s
